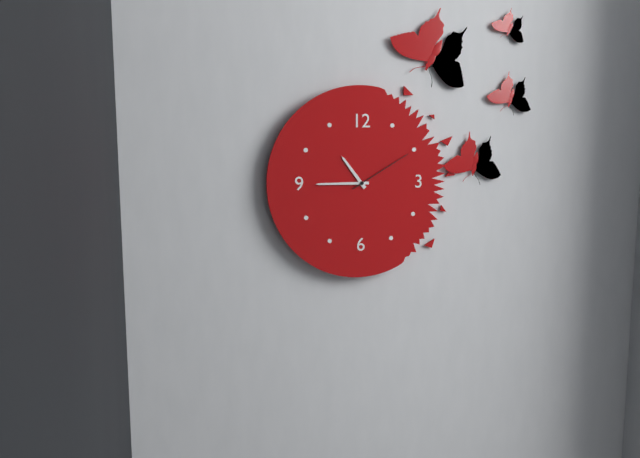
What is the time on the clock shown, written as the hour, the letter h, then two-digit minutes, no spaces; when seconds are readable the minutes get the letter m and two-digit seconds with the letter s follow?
10h45m10s
